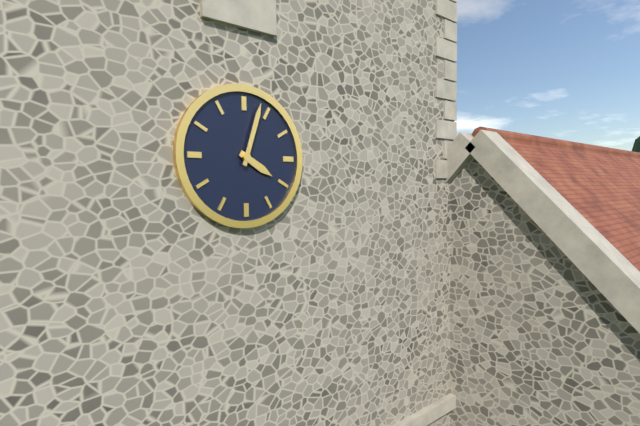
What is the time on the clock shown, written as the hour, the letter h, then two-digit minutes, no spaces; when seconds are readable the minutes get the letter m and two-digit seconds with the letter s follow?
4h03
